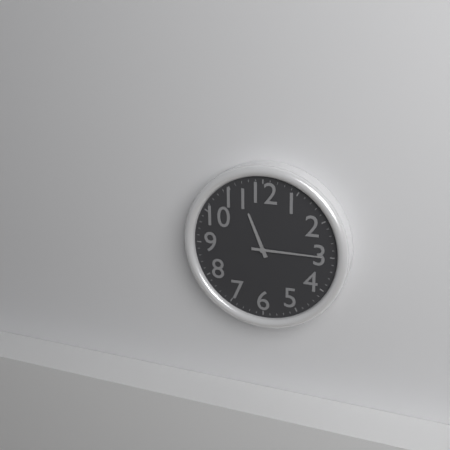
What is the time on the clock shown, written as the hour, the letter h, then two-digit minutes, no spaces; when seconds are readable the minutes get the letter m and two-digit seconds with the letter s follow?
11h15
